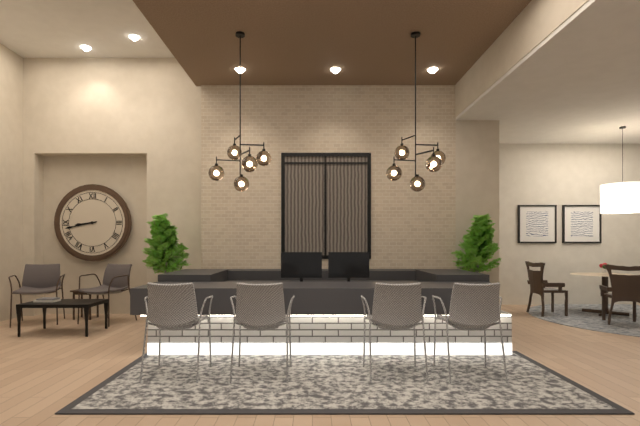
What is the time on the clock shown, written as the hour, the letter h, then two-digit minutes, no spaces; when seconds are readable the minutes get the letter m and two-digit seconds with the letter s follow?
8h43
